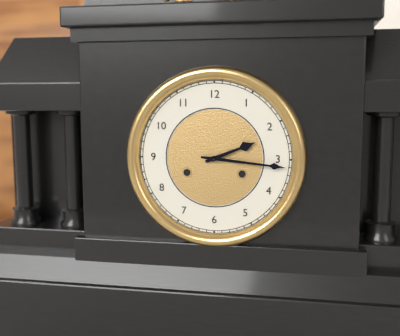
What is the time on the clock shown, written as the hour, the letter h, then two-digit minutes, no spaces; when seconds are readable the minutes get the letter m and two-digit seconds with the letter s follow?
2h16
